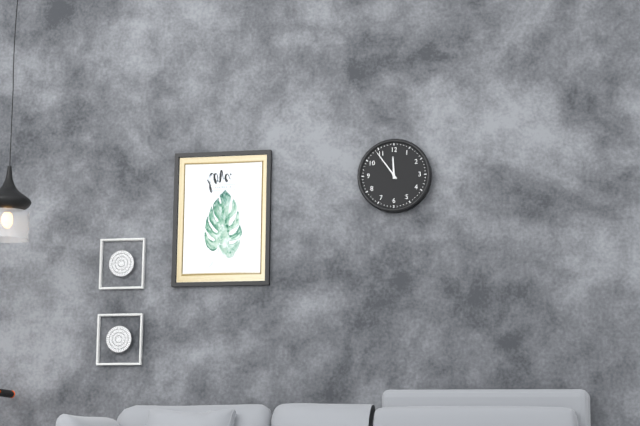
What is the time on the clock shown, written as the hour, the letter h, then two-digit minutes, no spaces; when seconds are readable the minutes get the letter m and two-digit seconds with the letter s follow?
11h54
